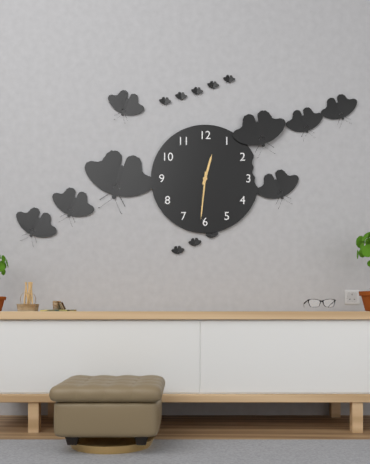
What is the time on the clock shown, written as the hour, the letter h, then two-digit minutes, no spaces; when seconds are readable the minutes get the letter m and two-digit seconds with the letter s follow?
12h31
